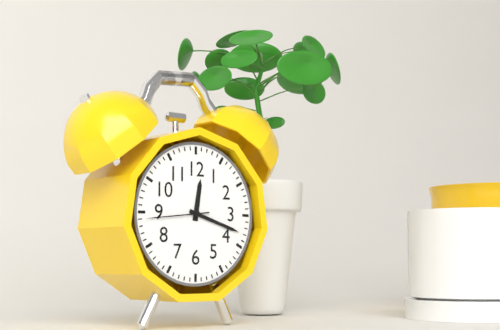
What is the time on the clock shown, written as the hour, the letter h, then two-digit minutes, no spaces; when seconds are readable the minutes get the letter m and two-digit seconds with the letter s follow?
12h18m44s
